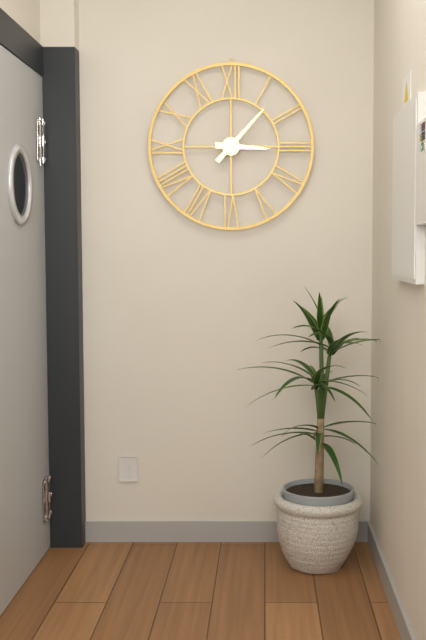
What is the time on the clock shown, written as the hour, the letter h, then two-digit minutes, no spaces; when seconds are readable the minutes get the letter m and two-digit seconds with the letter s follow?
3h07
